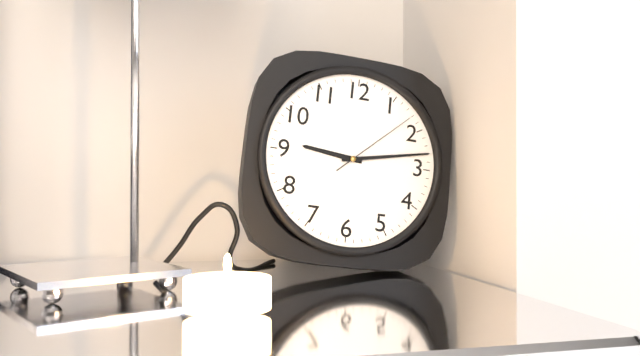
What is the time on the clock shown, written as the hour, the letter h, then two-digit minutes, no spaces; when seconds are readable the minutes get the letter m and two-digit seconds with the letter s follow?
9h13m08s
